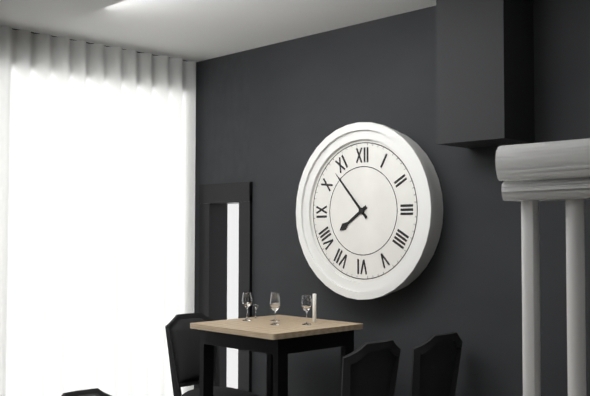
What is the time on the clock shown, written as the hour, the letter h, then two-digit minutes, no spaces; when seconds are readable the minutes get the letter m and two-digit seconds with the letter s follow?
7h53
